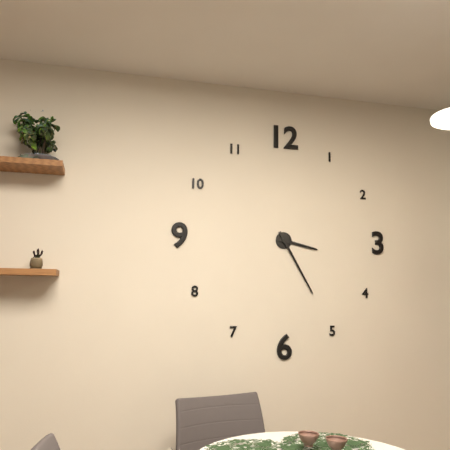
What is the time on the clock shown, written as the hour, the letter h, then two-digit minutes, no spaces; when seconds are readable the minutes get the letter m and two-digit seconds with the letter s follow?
3h25
